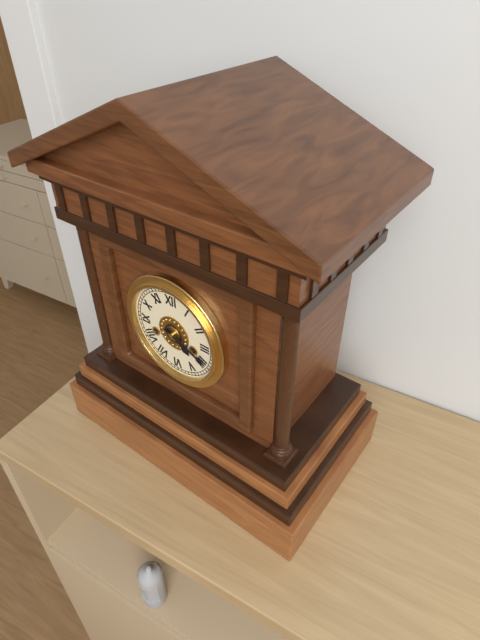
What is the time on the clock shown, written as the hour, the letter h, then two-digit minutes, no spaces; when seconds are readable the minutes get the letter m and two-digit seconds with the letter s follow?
4h19
